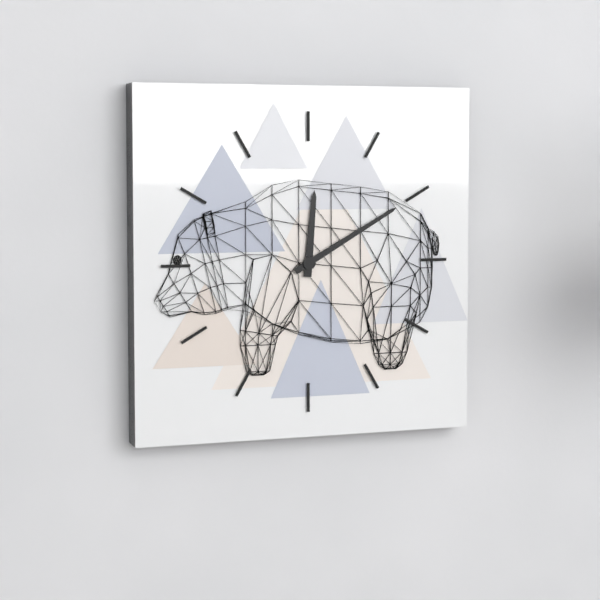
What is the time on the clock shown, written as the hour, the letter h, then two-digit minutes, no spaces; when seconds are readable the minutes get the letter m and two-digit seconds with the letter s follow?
12h10
